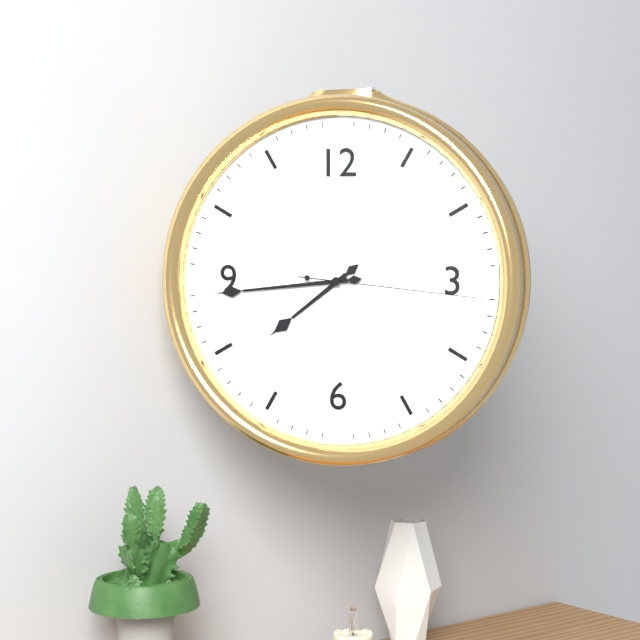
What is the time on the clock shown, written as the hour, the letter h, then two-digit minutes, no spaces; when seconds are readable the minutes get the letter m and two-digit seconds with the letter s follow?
7h44m16s
